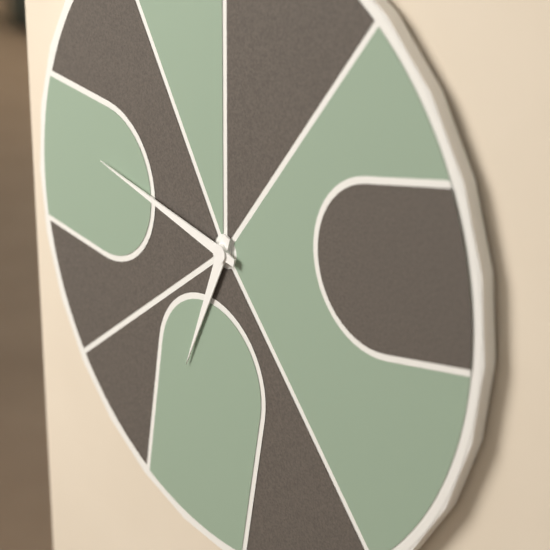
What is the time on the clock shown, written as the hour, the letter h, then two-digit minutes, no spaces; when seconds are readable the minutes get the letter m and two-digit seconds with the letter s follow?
6h47
